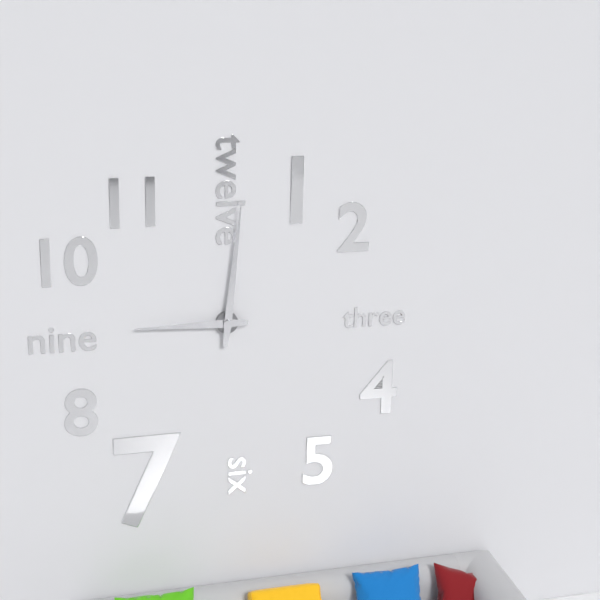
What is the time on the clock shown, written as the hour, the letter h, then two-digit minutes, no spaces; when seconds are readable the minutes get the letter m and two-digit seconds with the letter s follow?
9h01
